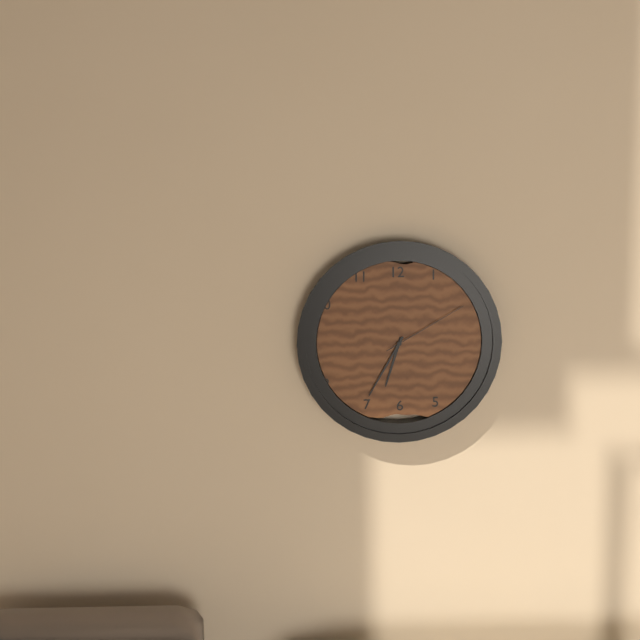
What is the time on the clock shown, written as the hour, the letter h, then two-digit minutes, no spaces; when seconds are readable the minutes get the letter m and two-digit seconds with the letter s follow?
6h35m10s
